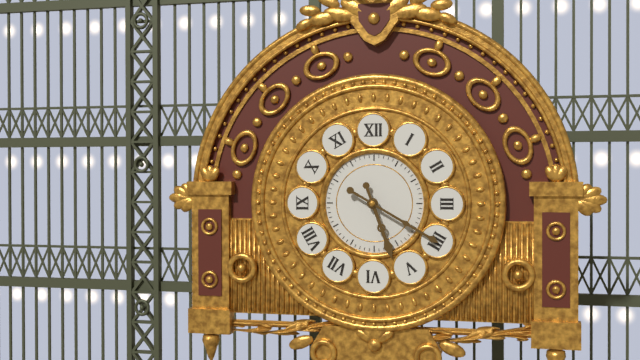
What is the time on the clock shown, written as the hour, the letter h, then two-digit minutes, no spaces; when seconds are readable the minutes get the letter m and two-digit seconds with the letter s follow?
5h20
